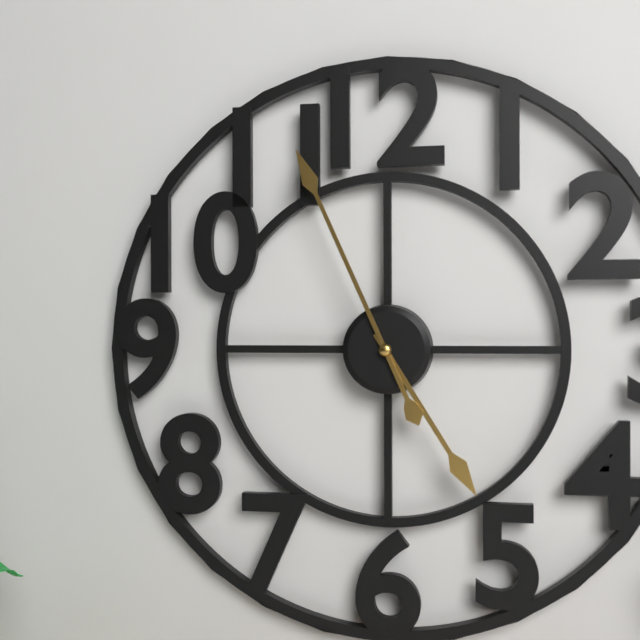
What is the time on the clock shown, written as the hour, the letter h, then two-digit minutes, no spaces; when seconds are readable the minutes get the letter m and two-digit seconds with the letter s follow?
4h56
